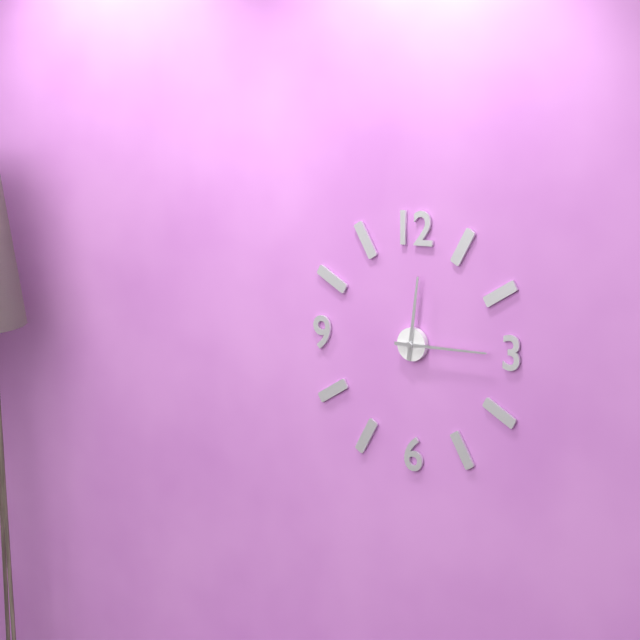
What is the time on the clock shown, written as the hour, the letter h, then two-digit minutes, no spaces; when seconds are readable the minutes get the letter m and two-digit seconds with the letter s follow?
12h15
